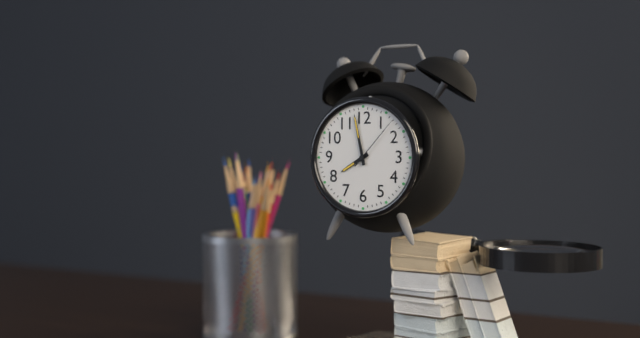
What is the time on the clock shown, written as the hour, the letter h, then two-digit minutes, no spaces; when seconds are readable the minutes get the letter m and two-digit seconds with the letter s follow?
7h58m07s
